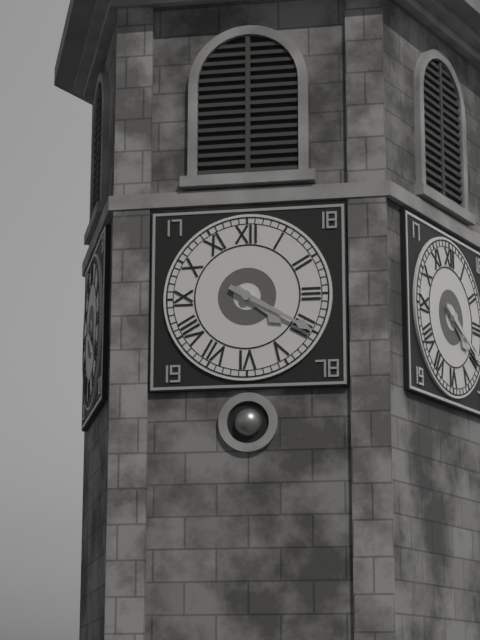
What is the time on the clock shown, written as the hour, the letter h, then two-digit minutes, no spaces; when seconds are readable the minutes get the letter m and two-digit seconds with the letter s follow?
4h20
